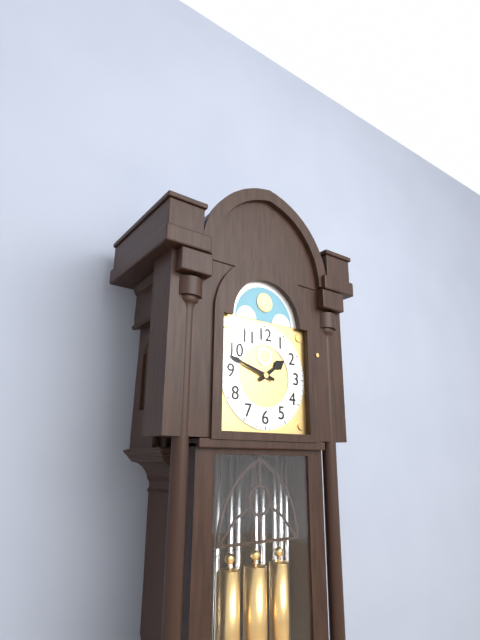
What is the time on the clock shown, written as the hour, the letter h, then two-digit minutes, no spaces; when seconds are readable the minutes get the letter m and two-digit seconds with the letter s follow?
1h48
